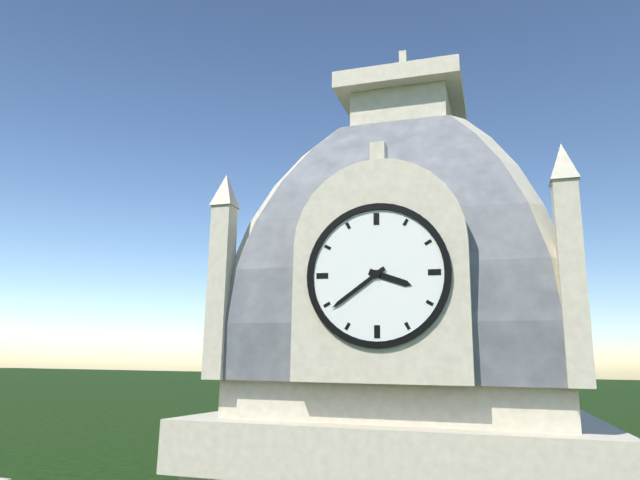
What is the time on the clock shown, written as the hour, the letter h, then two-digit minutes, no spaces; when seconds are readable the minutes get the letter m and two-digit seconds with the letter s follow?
3h39
